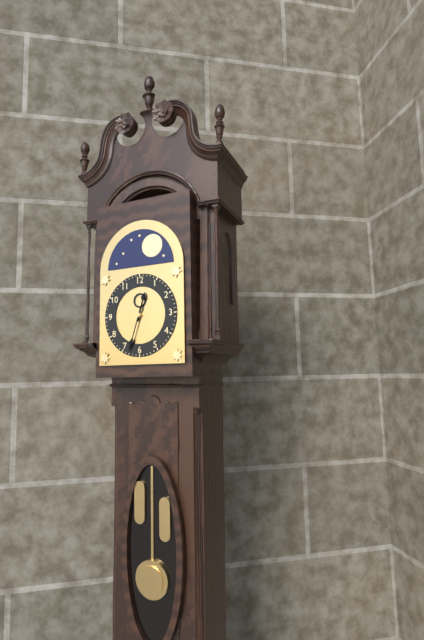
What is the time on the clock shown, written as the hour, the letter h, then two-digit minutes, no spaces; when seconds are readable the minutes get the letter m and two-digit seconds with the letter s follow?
12h33
